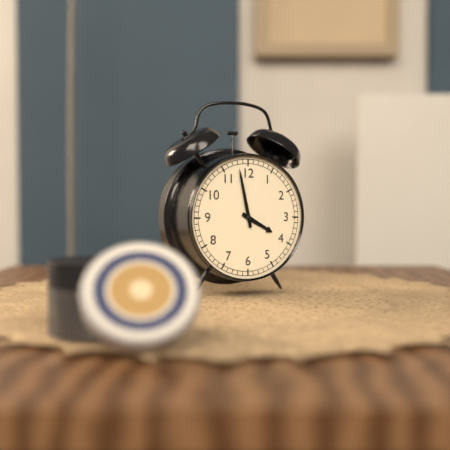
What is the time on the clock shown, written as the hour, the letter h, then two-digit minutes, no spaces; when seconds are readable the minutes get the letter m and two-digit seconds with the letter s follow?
3h58
